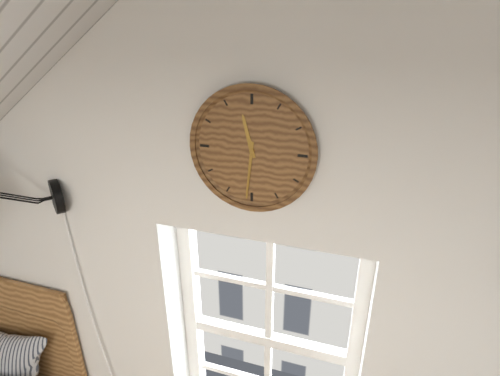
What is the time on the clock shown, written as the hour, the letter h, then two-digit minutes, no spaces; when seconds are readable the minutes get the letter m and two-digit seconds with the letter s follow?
11h31
